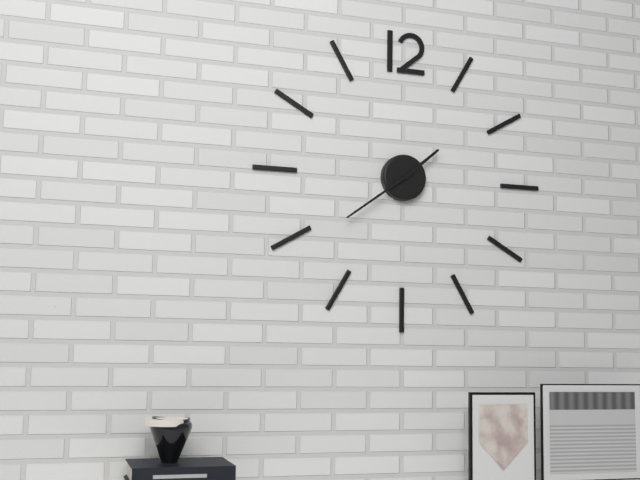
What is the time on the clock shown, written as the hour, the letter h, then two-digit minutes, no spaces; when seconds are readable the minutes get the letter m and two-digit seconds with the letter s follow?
1h39
